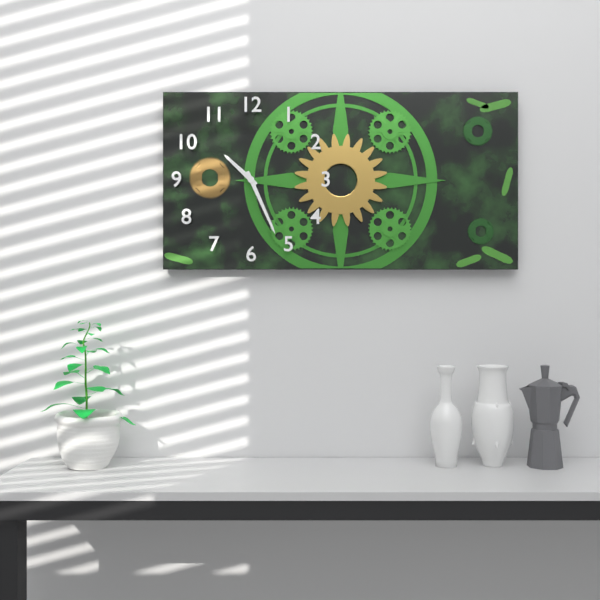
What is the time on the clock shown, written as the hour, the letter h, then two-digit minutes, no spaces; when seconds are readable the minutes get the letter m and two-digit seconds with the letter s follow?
10h26
